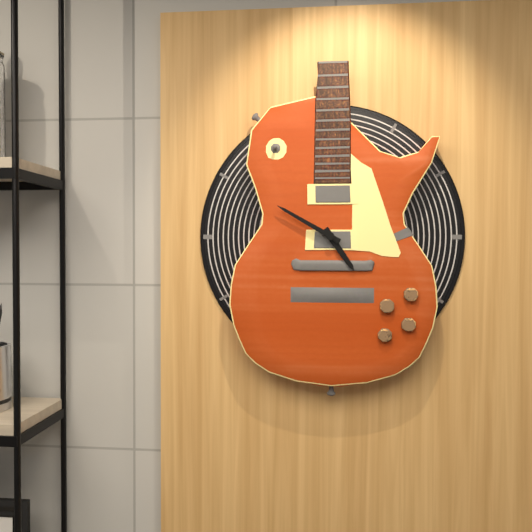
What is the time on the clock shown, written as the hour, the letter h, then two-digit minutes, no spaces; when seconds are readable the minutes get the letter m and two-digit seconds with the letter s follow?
4h50
